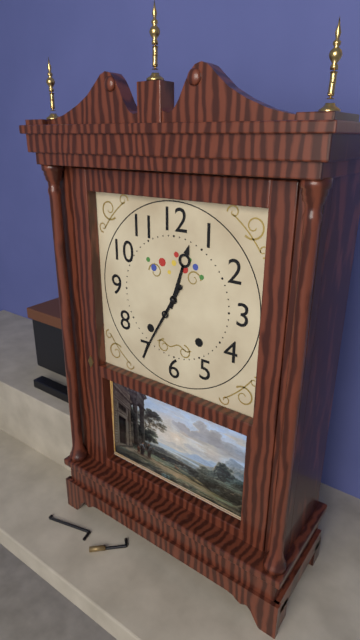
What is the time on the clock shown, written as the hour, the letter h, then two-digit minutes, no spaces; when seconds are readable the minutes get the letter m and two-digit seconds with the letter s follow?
12h35
